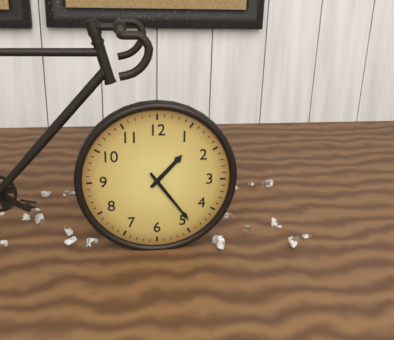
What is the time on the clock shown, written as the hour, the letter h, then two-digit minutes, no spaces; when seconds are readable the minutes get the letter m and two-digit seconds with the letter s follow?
1h24
